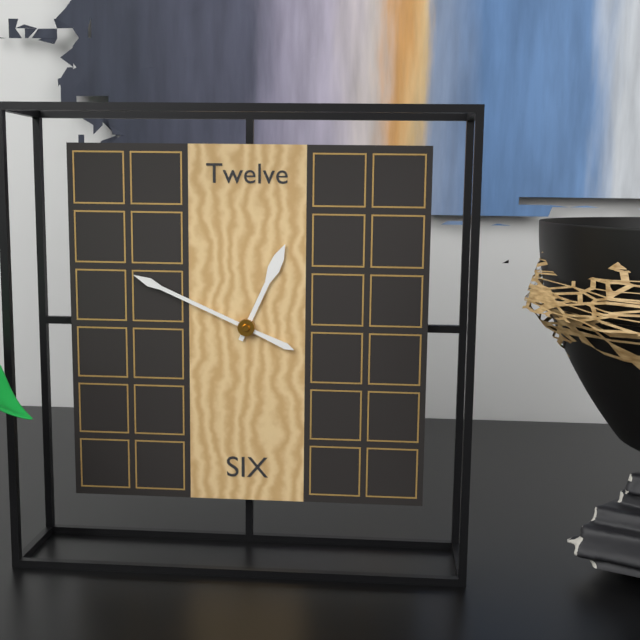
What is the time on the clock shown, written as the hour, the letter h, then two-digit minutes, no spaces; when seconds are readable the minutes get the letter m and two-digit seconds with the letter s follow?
12h49
